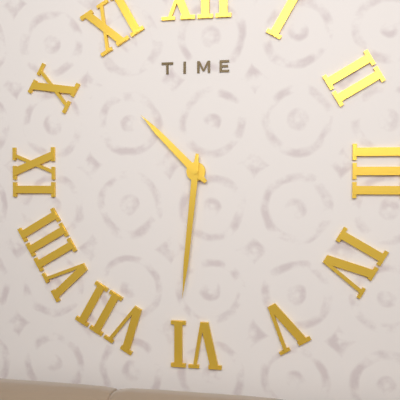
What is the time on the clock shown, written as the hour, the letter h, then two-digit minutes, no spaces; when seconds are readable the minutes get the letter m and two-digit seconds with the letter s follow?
10h31
